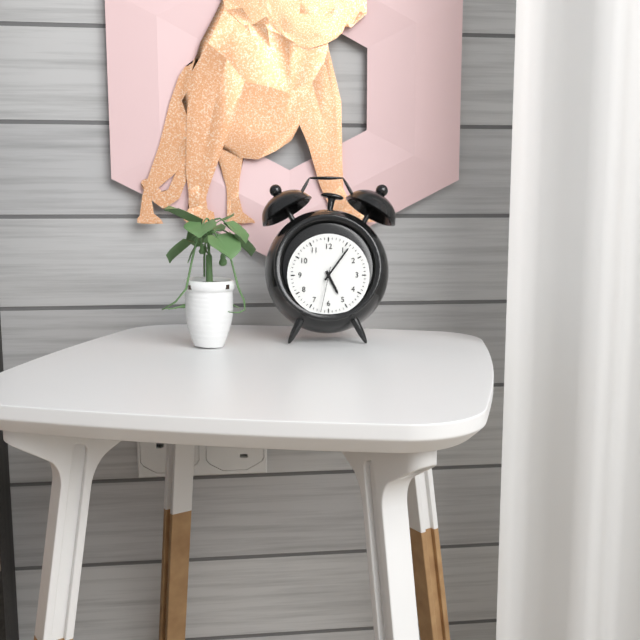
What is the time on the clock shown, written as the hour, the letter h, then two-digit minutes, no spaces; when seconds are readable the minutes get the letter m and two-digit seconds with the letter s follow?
5h06
